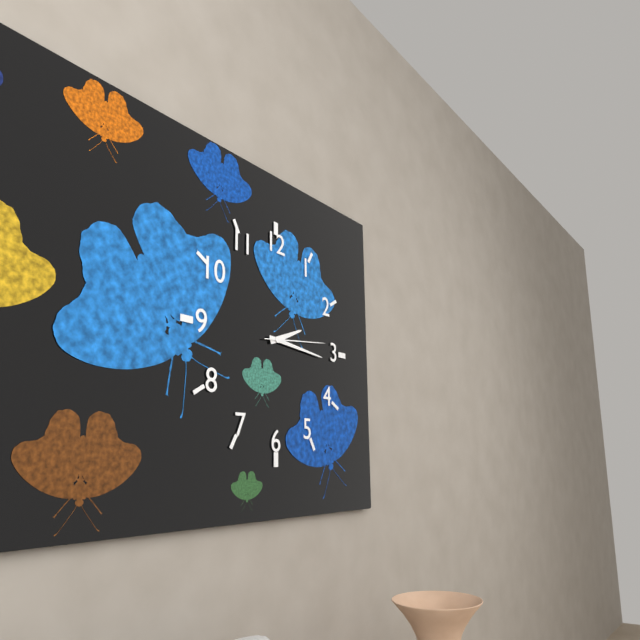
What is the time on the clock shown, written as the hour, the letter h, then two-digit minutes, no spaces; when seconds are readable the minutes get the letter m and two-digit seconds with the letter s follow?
2h16m14s
